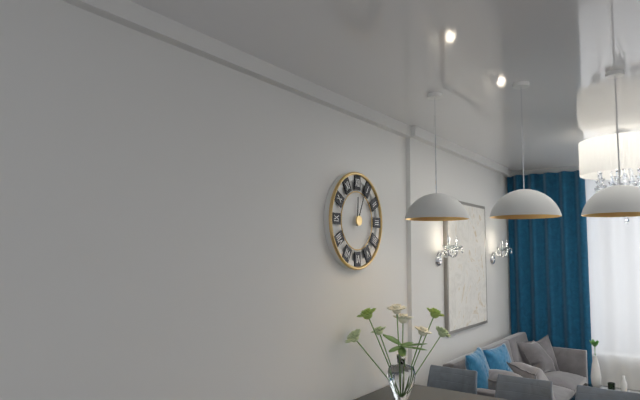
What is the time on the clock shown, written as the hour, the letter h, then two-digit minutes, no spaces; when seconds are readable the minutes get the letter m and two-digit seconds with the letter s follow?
12h04
